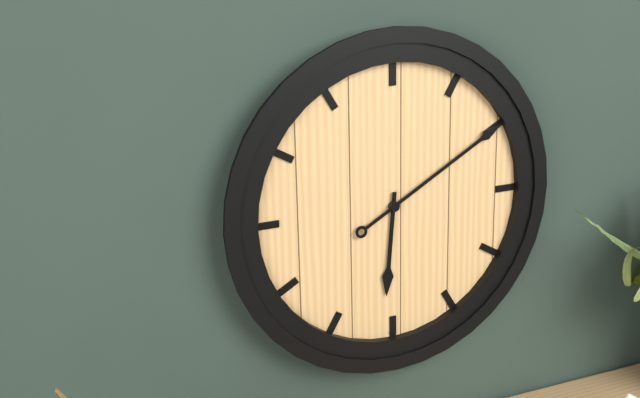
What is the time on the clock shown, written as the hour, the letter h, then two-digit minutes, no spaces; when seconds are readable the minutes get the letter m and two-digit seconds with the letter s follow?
6h10
